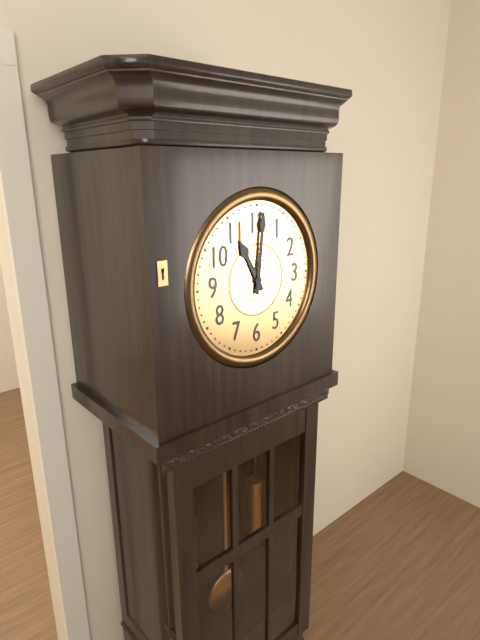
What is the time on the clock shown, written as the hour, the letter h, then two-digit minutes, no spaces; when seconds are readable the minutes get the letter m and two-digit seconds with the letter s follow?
11h01
